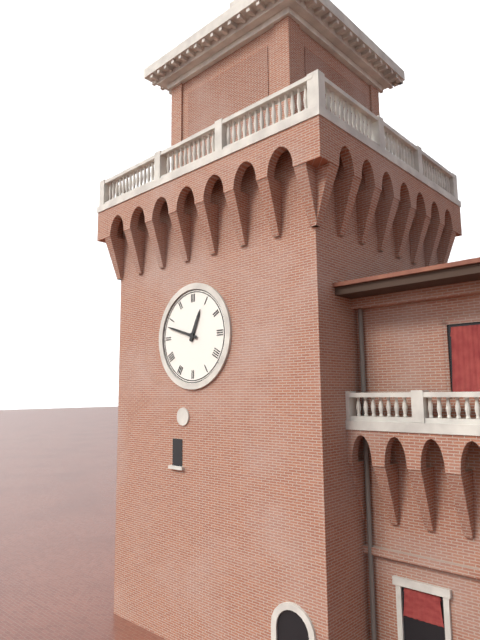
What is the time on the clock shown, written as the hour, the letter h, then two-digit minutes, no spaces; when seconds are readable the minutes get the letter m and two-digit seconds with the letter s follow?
12h48
